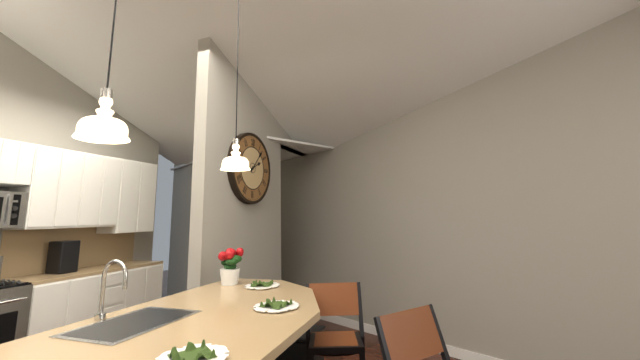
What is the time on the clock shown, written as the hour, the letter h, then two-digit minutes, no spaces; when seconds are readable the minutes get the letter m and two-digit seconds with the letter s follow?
2h07
